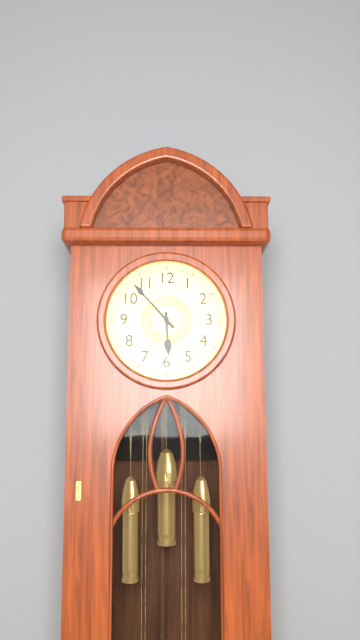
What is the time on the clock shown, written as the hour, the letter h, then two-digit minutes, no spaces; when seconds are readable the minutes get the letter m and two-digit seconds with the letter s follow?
5h53
